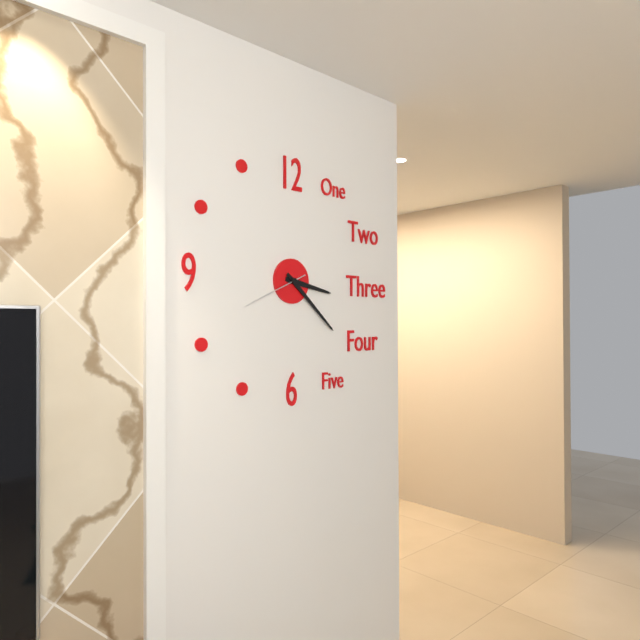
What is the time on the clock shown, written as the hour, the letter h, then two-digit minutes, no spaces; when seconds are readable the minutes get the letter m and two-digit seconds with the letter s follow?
3h22m41s
